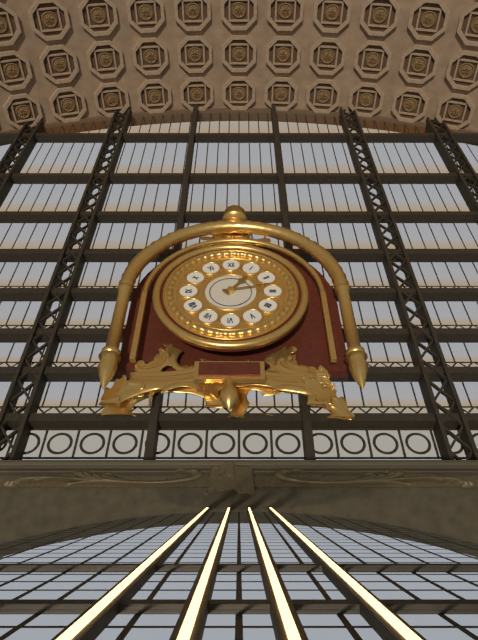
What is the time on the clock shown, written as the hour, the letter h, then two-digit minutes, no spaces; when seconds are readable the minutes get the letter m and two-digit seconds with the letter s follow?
1h13
